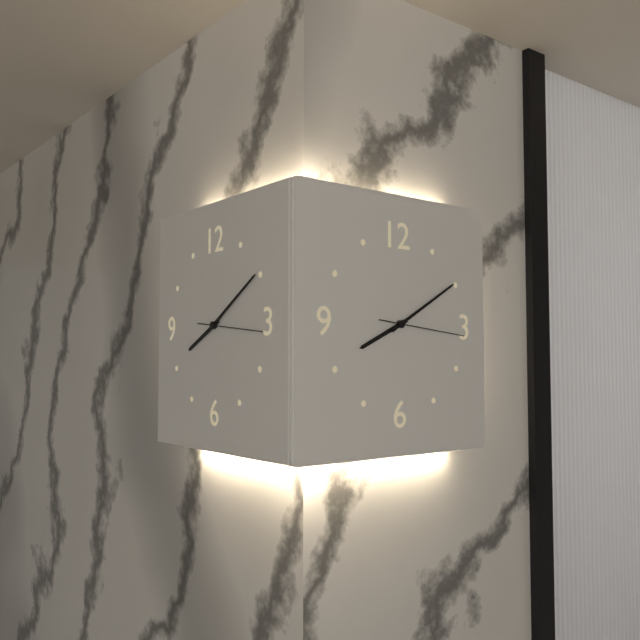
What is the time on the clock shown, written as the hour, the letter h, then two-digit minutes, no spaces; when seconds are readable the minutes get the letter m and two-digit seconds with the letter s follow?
8h10m16s
